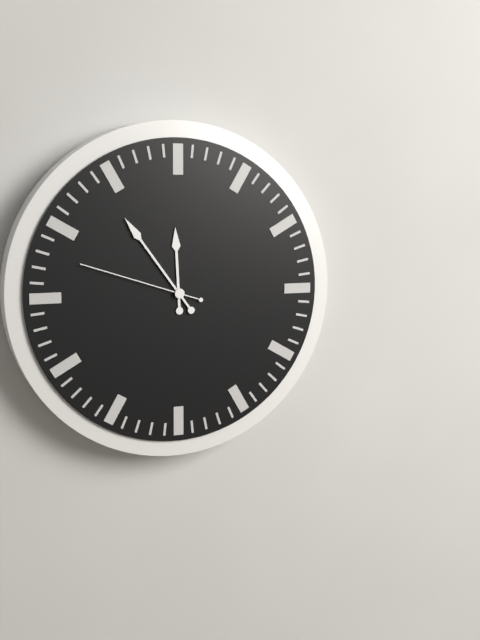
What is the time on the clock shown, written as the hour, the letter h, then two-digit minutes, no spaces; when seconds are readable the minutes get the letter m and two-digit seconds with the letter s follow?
11h54m48s
